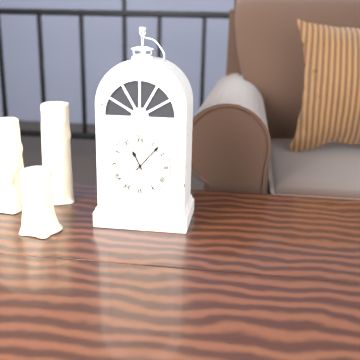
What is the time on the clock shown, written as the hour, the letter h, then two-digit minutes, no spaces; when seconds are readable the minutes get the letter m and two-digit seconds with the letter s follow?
11h07
